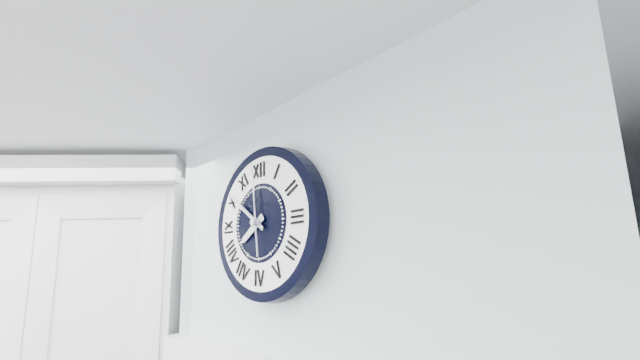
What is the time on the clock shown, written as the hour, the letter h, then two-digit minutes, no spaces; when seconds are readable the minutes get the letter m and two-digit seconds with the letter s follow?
7h51m59s
